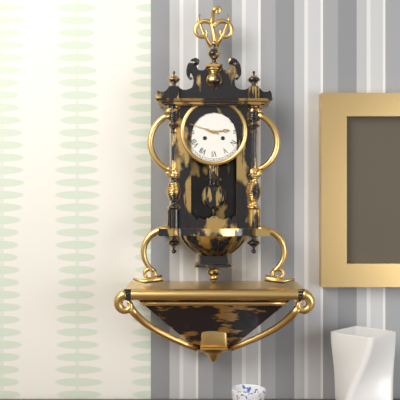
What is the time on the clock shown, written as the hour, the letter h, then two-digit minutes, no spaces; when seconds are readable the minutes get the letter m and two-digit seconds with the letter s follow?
2h48
